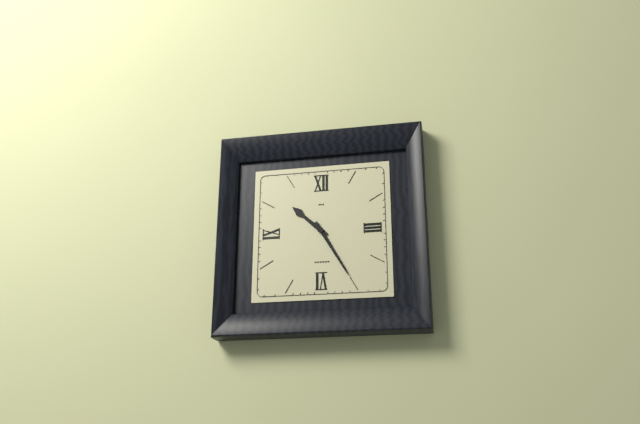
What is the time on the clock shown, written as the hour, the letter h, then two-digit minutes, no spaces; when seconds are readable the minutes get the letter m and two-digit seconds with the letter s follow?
10h25
